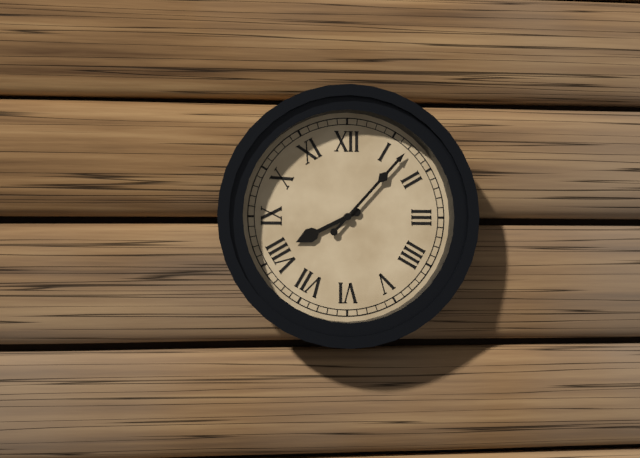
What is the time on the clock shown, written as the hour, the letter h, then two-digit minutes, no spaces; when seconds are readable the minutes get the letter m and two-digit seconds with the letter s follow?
8h07
